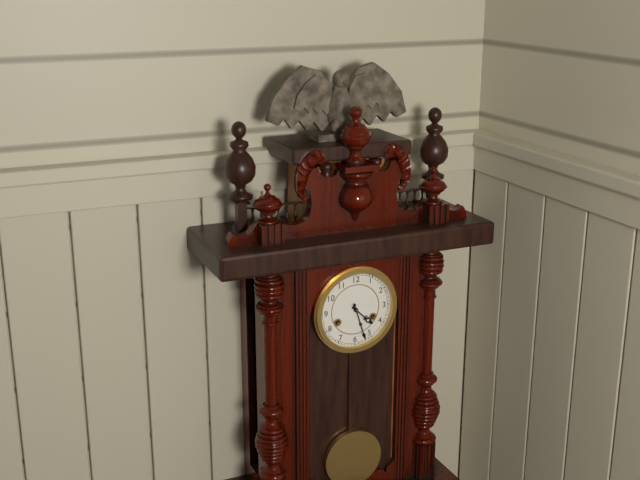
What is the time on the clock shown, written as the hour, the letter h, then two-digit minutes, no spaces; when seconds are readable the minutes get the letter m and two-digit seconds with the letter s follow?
4h27
